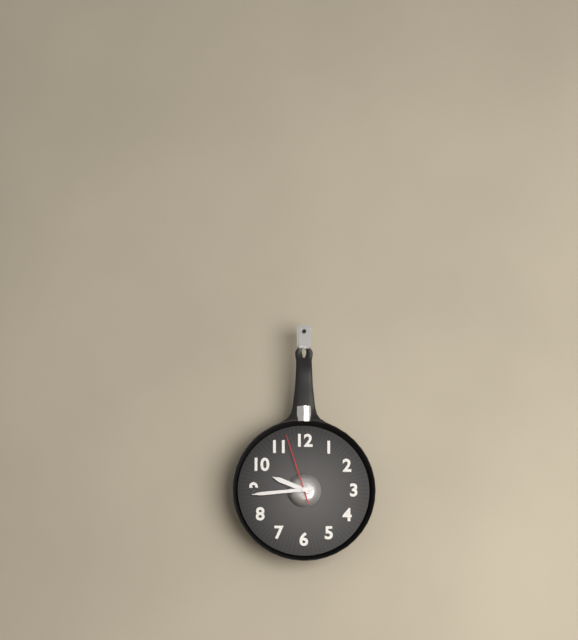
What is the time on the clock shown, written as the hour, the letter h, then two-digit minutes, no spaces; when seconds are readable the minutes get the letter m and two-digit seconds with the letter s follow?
9h44m57s
